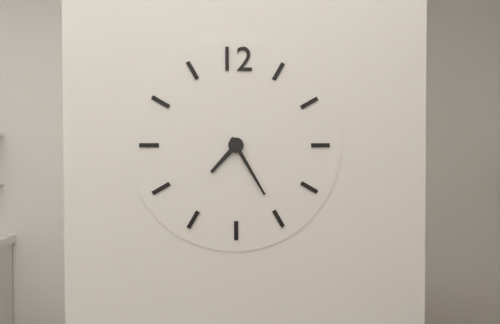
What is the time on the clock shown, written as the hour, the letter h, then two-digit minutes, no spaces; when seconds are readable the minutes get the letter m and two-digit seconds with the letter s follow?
7h25
